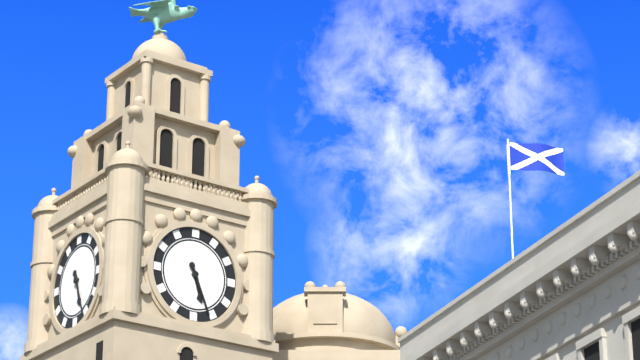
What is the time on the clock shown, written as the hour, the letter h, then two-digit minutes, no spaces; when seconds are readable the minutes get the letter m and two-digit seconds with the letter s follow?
5h26
